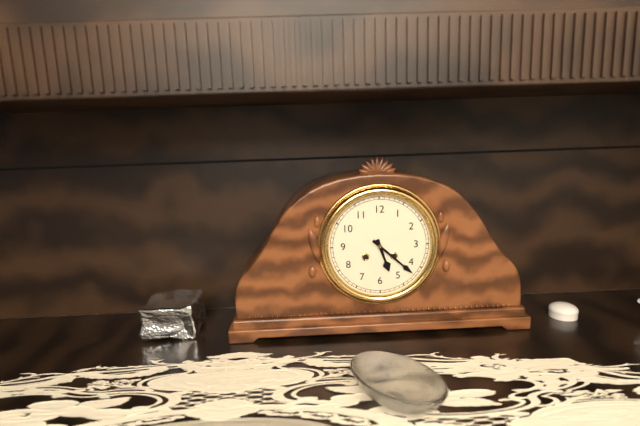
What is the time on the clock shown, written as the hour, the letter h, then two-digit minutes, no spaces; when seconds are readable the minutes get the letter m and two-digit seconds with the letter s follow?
5h22
